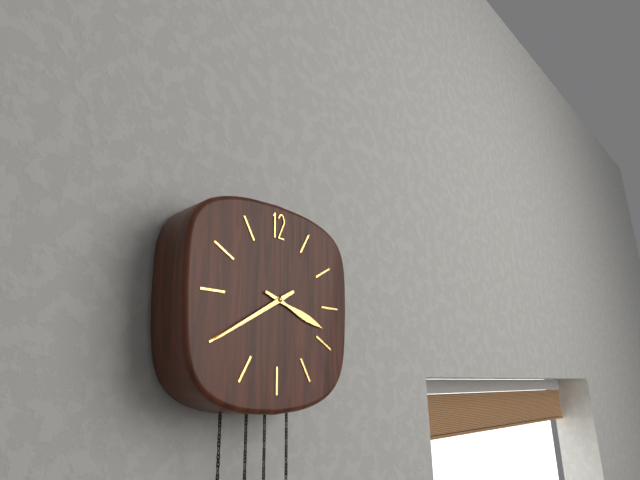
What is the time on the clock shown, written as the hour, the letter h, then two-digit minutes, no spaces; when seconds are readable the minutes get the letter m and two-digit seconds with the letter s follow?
3h40
